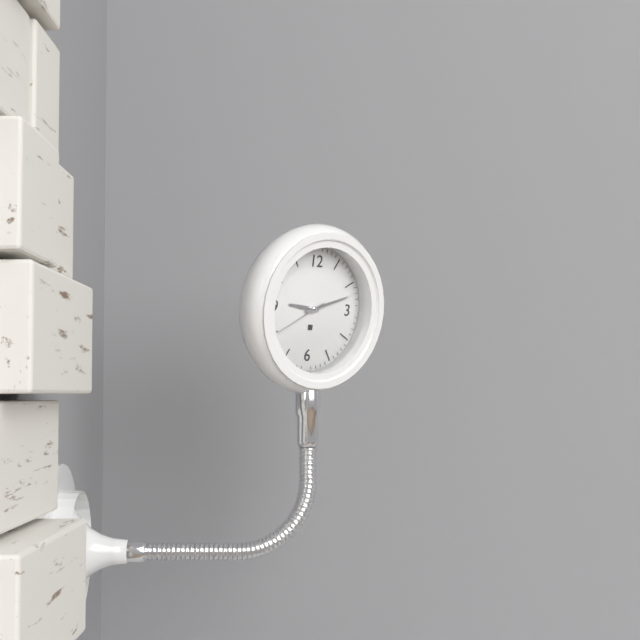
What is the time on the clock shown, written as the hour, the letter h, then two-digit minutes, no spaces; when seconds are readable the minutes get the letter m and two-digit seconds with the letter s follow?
9h12
